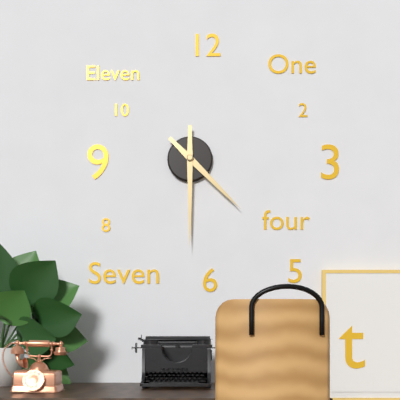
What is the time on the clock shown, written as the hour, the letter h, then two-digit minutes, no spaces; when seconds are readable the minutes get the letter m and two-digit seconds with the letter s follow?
4h30
